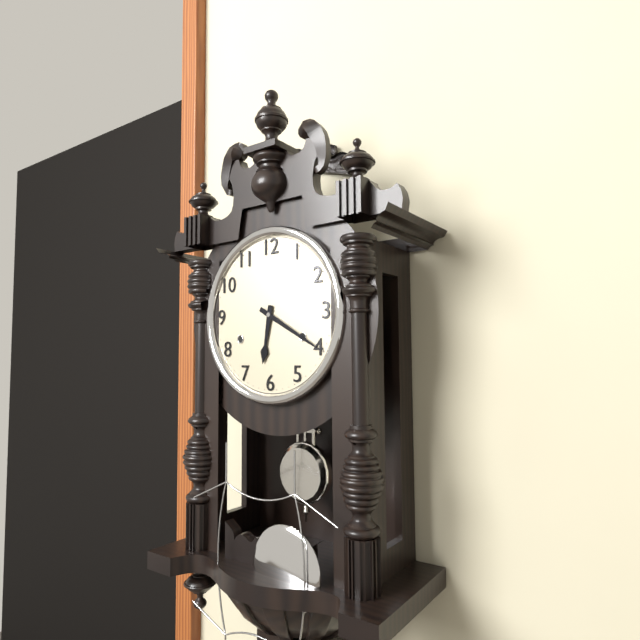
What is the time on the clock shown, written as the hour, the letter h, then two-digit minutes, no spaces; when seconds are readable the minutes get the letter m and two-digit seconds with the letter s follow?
6h20
